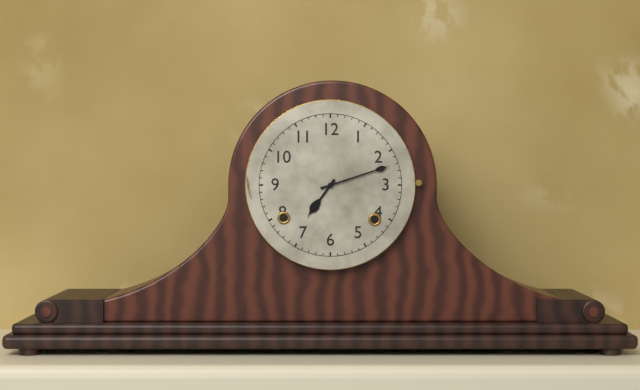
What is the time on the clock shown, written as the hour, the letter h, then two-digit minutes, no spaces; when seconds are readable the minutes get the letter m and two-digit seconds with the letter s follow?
7h12
